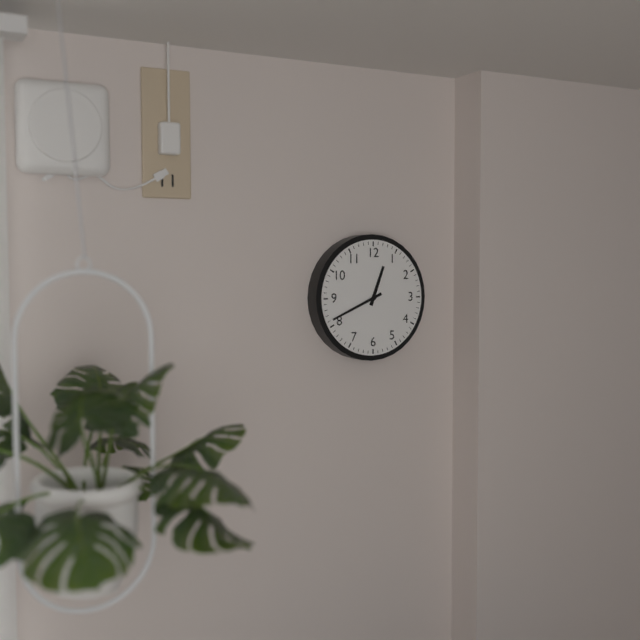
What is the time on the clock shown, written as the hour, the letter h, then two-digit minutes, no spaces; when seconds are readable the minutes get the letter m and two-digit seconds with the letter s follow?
12h41
